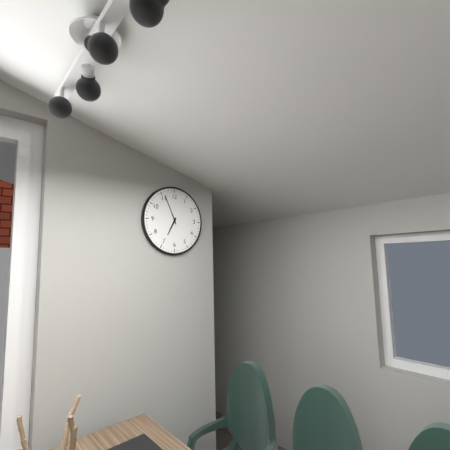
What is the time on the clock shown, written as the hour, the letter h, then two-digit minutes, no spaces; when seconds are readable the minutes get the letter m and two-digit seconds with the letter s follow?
6h56
